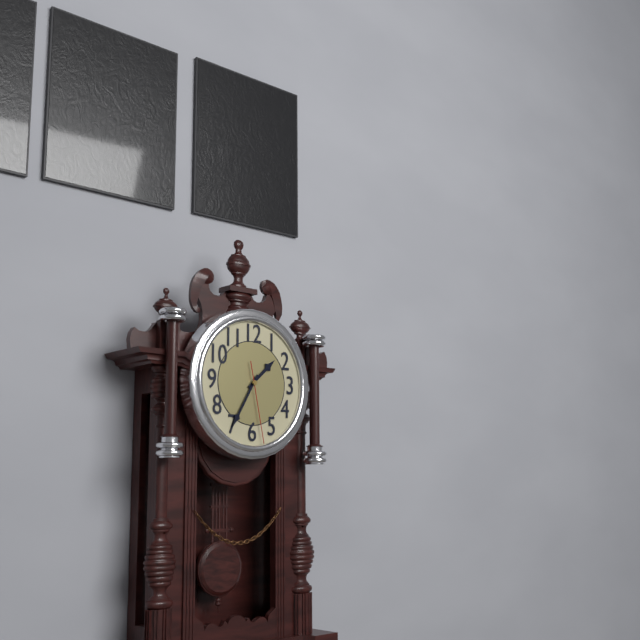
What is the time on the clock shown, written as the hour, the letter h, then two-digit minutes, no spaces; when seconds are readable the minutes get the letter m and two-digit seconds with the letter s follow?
1h35m28s
